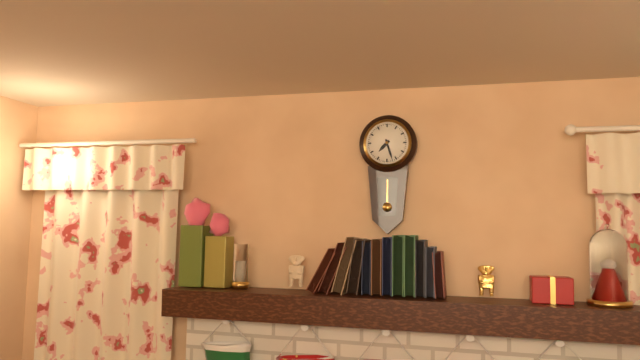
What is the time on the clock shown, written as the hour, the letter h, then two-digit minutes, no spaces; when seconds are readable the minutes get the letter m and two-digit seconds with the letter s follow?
7h27
